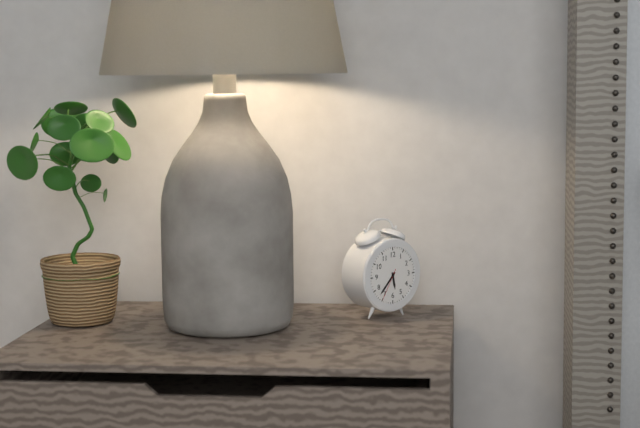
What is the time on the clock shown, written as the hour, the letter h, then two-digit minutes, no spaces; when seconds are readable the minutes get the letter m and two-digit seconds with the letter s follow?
5h37
